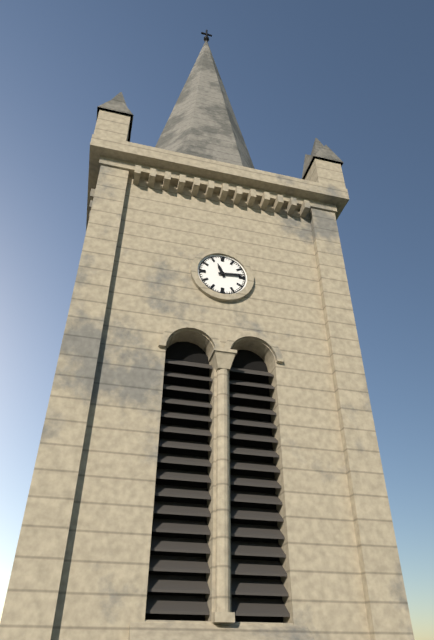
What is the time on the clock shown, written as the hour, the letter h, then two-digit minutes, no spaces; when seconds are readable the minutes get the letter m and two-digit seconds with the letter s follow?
11h14
